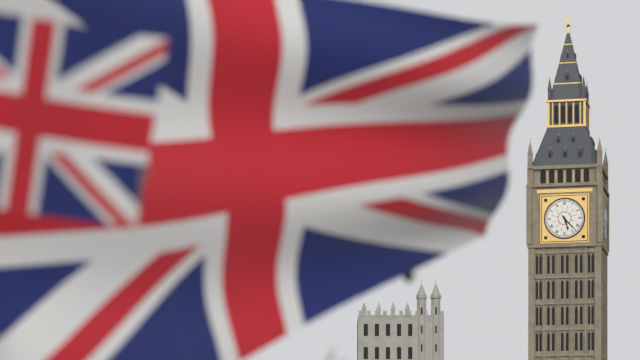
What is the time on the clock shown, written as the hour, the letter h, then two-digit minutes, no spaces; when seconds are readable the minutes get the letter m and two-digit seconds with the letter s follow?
5h23
